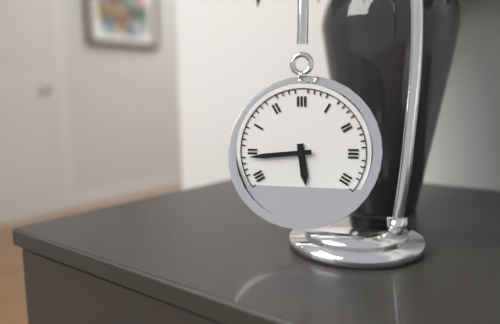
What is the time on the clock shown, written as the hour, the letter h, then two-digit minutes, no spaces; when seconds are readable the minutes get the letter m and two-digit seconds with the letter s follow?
5h44
